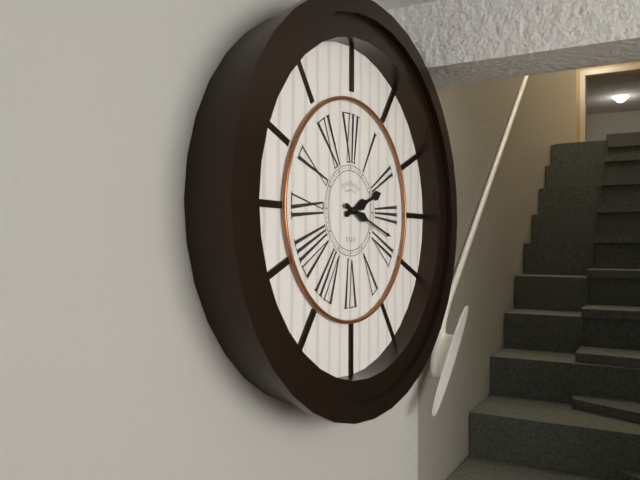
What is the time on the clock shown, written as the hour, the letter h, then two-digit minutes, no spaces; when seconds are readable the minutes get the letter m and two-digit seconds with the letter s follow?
2h18
